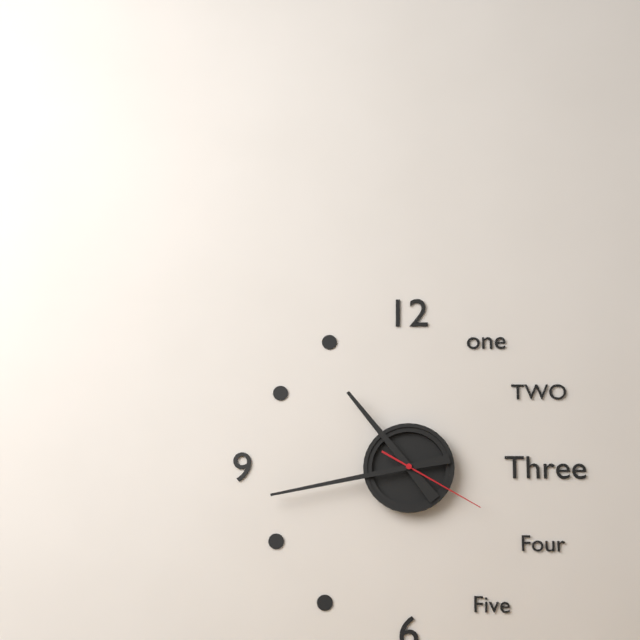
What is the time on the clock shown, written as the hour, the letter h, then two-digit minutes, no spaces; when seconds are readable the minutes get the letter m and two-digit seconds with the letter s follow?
10h43m20s
